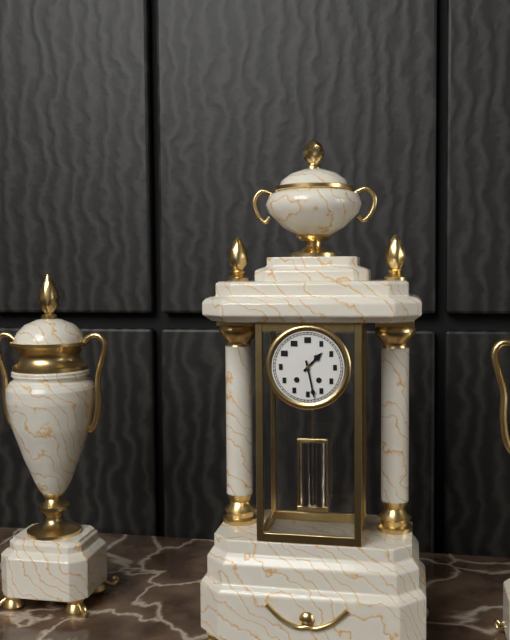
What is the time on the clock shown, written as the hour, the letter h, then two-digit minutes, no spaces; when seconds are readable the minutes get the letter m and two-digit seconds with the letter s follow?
1h28
